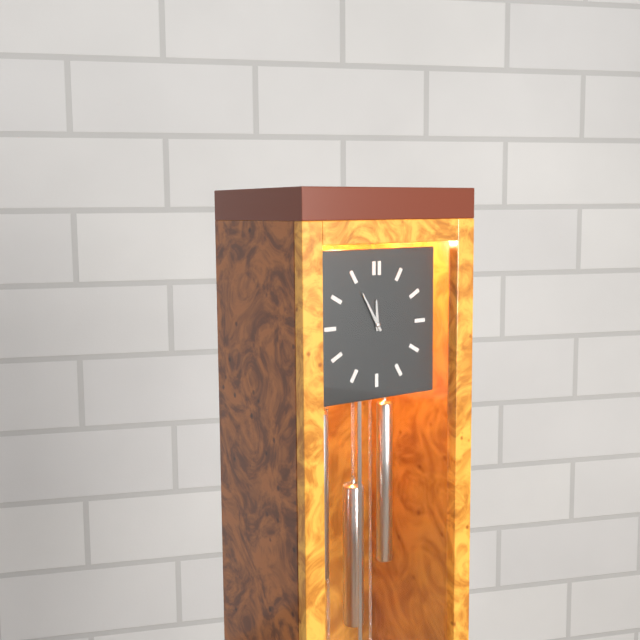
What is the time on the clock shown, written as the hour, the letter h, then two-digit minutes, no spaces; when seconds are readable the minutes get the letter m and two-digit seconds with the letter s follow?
11h55
